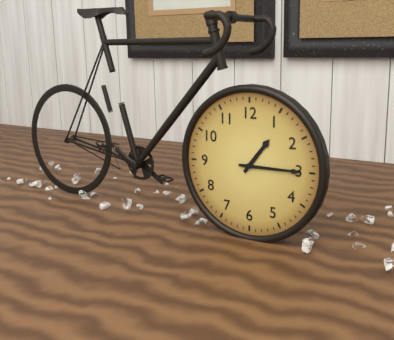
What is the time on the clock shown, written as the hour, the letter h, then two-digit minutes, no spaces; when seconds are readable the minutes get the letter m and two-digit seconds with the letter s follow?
1h15
